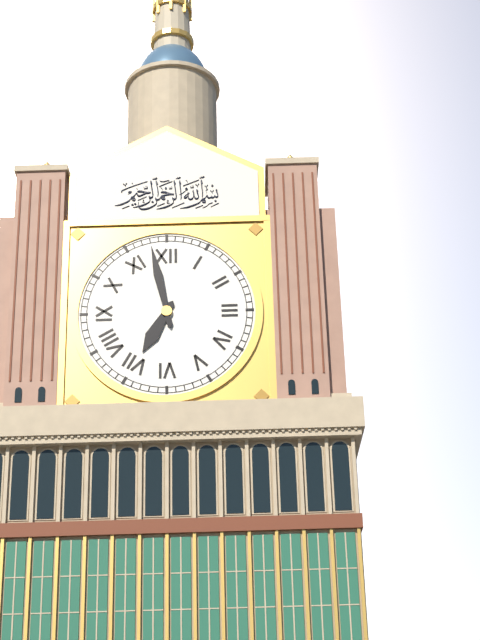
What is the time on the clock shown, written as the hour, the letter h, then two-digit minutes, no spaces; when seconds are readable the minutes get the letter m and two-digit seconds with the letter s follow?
6h58
